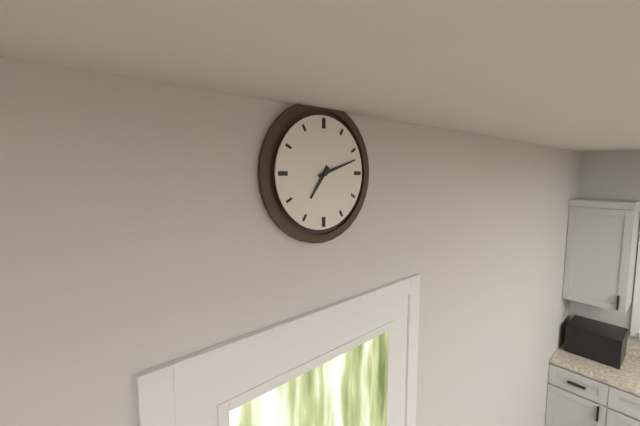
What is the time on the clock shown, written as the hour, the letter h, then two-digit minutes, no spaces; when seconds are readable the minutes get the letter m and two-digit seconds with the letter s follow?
7h12
